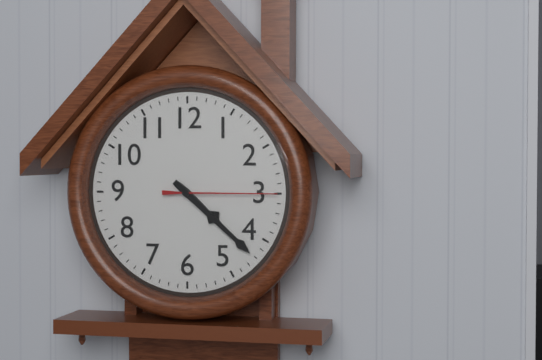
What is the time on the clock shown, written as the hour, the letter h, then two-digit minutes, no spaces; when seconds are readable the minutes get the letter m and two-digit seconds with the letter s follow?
4h22m15s
